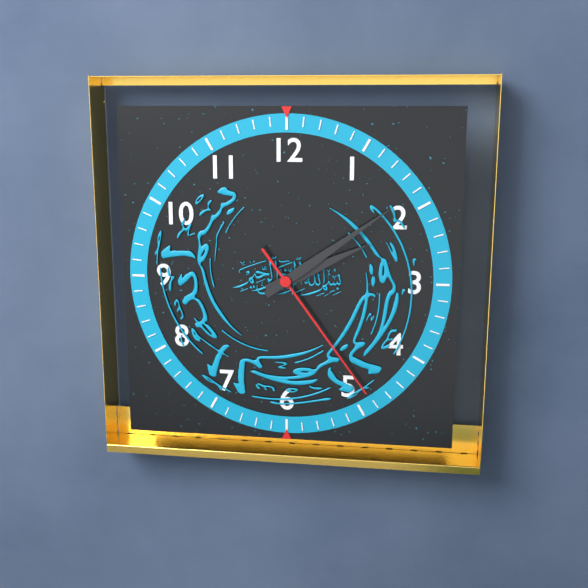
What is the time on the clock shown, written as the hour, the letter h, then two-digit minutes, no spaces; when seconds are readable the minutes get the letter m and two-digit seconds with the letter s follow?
2h09m24s
